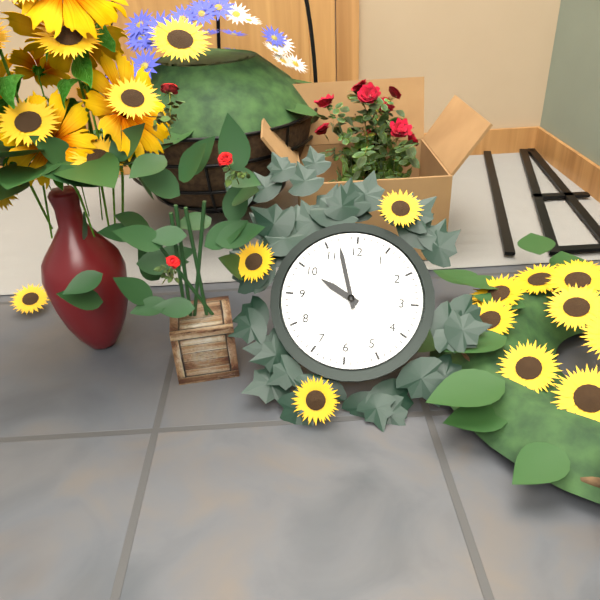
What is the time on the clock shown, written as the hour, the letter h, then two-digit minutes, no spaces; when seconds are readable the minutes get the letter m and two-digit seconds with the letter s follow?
9h57
